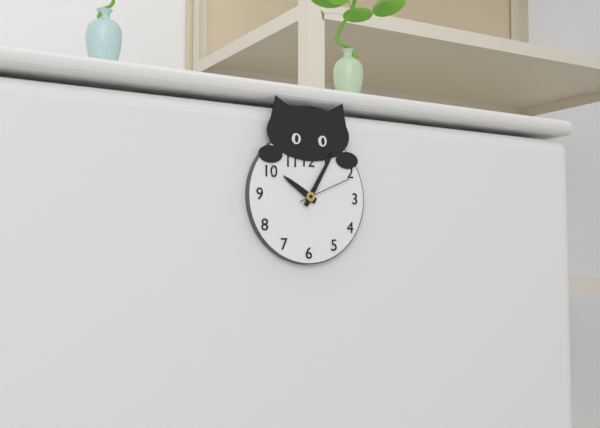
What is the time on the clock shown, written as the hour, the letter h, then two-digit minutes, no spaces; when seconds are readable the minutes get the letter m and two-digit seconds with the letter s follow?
10h05m11s
